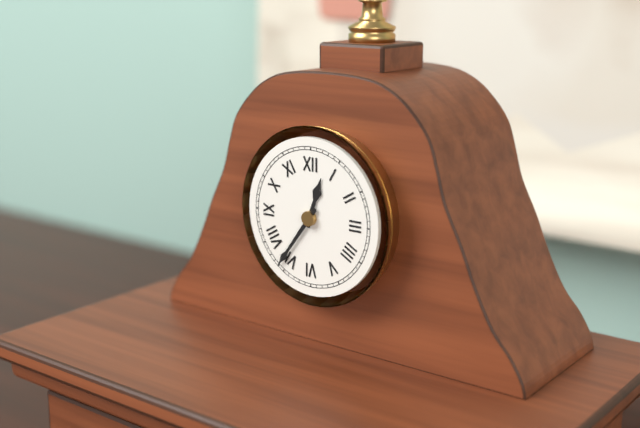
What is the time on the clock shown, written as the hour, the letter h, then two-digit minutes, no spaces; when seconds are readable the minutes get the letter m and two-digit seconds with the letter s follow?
12h36
